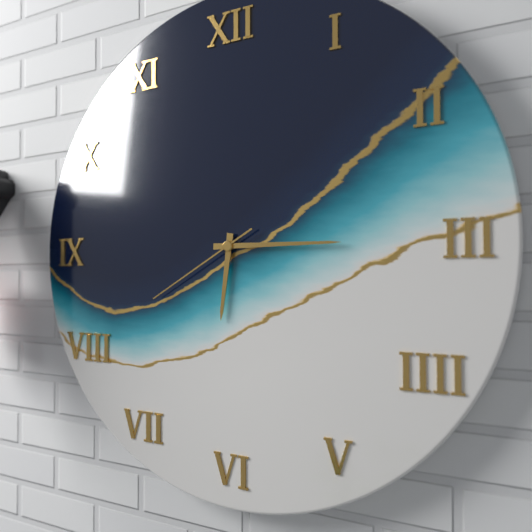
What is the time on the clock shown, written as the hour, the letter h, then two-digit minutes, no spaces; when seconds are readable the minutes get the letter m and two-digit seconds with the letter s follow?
6h15m40s
